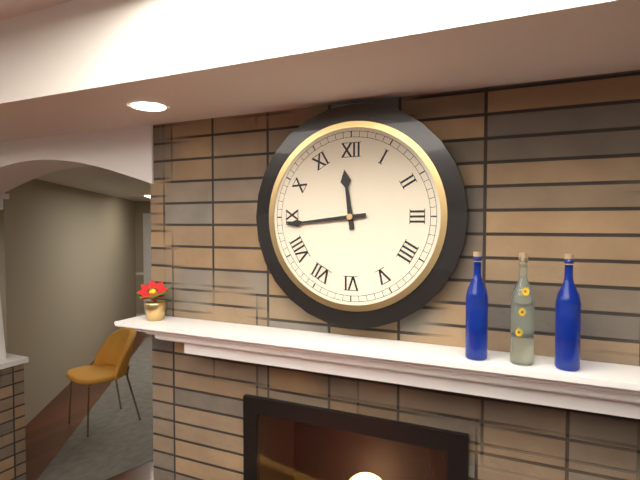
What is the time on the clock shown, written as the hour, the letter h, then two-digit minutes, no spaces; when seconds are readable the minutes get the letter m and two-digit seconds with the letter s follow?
11h44
